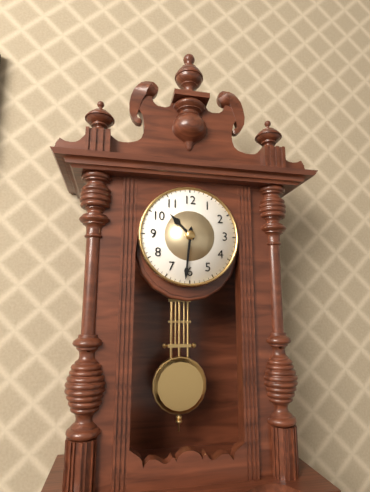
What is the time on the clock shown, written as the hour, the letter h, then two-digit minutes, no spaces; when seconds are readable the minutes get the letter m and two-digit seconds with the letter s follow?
10h31
